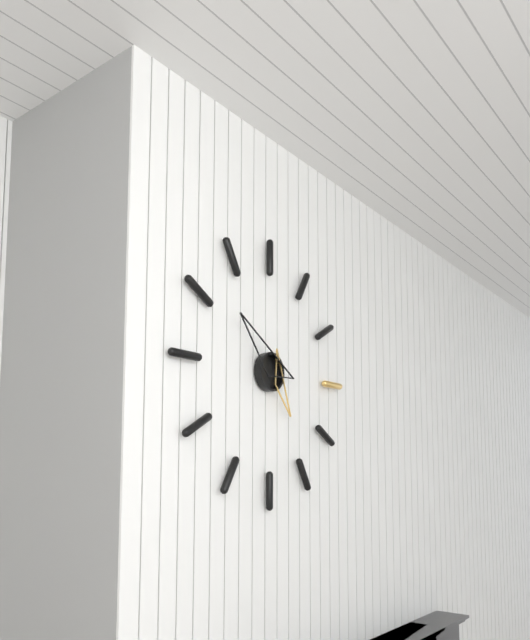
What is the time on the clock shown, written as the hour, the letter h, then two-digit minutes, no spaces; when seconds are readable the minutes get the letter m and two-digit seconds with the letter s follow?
4h52
